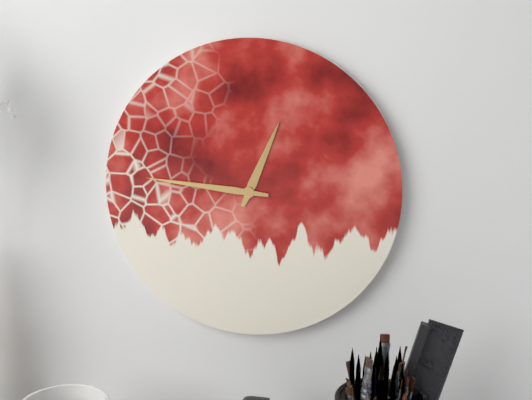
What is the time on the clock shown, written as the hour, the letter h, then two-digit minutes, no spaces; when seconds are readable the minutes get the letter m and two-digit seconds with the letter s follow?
12h46
